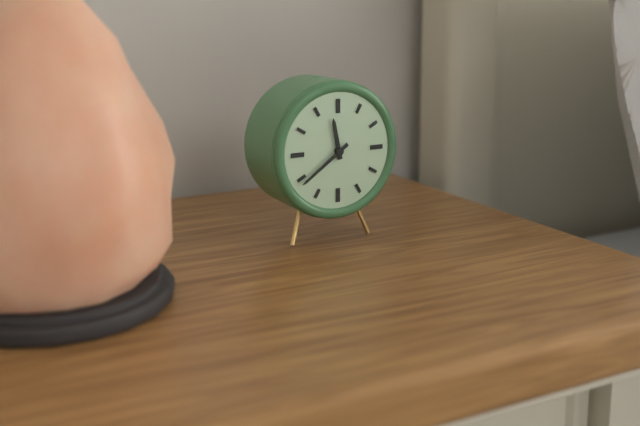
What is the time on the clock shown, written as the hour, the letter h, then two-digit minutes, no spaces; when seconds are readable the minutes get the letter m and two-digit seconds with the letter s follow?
11h39
